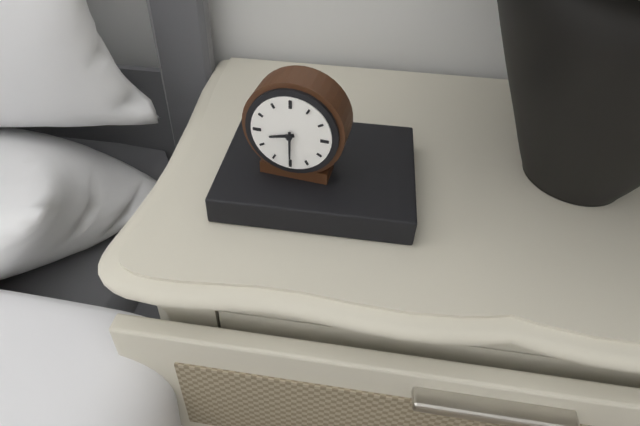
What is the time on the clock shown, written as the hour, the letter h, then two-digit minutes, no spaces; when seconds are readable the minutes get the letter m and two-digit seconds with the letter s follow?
8h30
